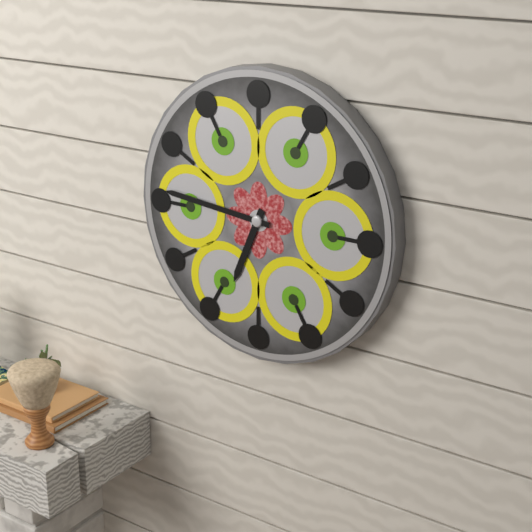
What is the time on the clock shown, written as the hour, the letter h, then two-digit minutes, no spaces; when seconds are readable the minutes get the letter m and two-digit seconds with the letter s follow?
6h46
